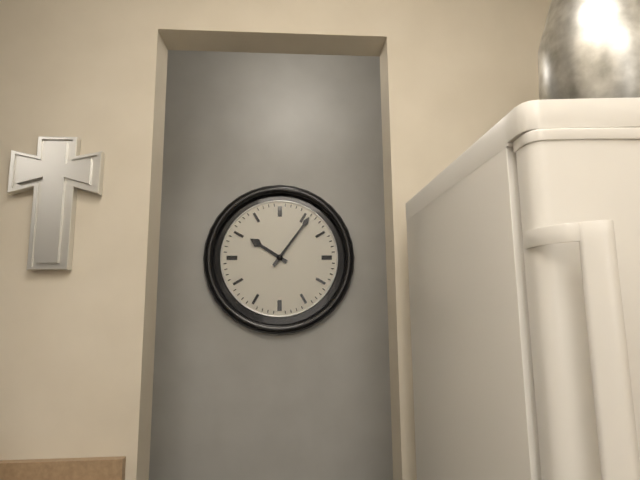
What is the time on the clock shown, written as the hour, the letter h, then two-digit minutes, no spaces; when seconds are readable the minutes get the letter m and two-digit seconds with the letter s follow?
10h06
